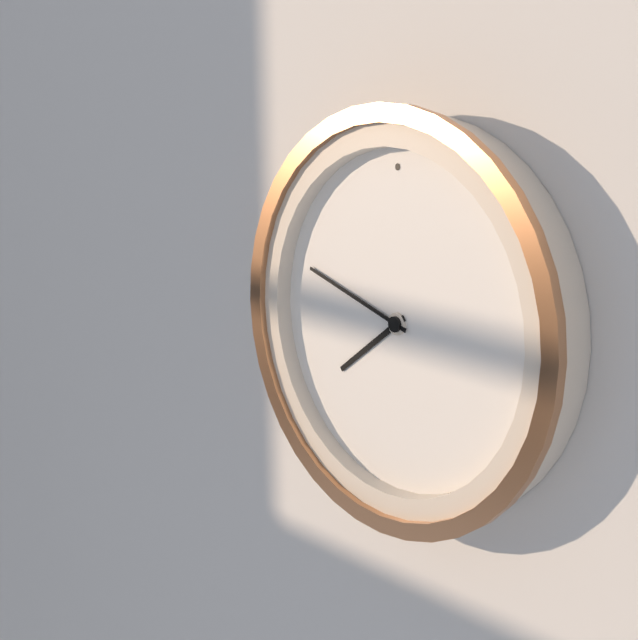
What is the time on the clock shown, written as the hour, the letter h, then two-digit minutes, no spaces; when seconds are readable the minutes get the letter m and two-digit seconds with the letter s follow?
7h48
